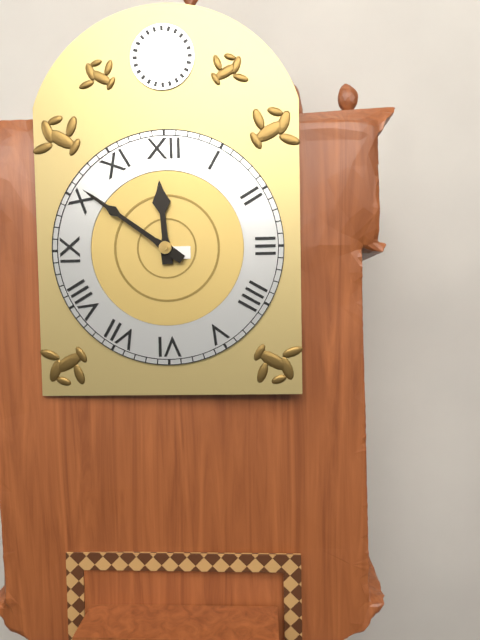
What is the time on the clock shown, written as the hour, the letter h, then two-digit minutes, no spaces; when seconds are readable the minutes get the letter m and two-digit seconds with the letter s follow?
11h51
